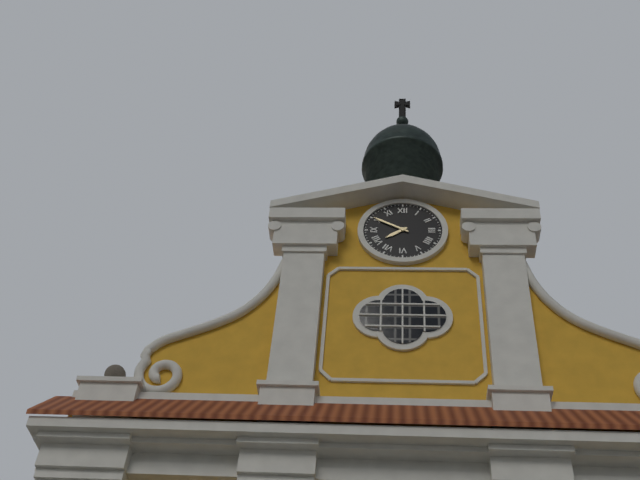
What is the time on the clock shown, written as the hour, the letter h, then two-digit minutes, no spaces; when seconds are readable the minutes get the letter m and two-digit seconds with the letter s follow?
7h50
